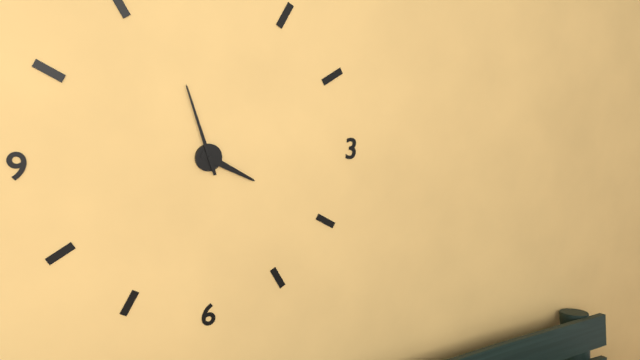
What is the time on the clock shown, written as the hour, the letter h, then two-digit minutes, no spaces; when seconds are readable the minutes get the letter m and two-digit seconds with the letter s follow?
3h57
